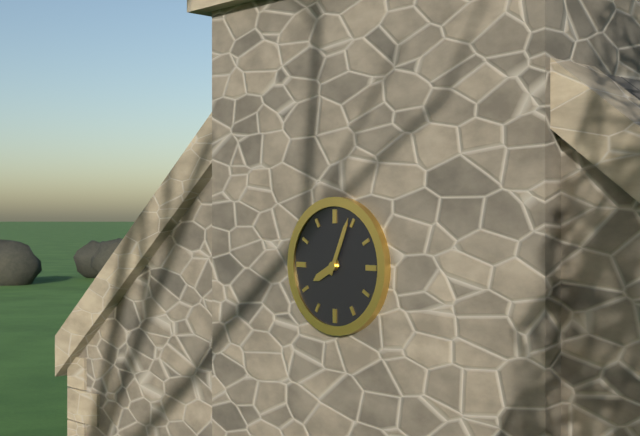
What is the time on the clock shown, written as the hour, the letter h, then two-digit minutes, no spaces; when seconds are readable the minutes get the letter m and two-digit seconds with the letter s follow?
8h04
